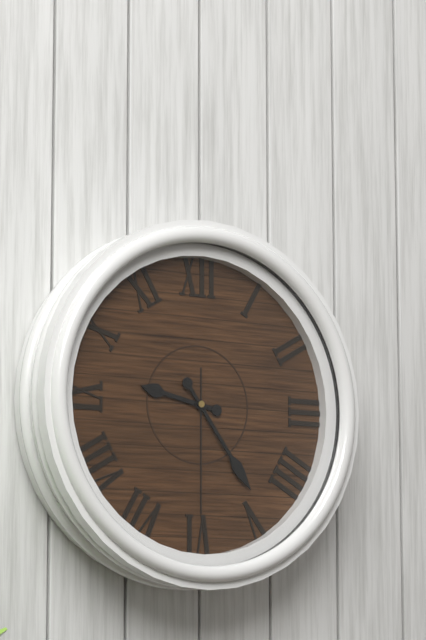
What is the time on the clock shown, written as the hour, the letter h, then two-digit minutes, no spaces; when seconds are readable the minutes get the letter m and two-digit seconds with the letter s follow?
9h24m30s
